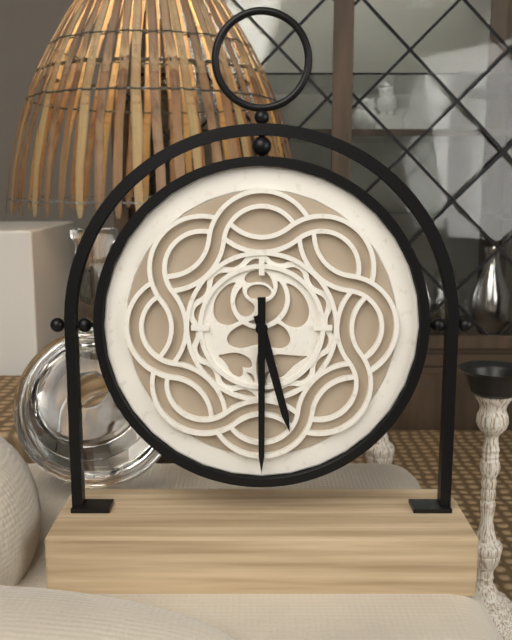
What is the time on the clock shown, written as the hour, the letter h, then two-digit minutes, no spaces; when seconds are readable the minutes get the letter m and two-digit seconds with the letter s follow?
5h30
